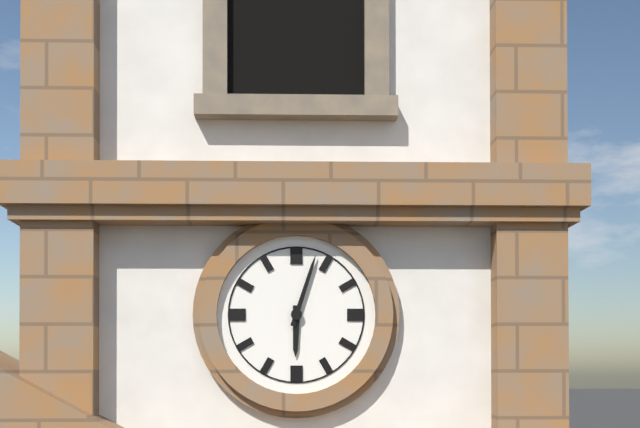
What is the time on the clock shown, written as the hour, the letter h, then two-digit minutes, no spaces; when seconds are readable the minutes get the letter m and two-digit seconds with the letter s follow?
6h03
